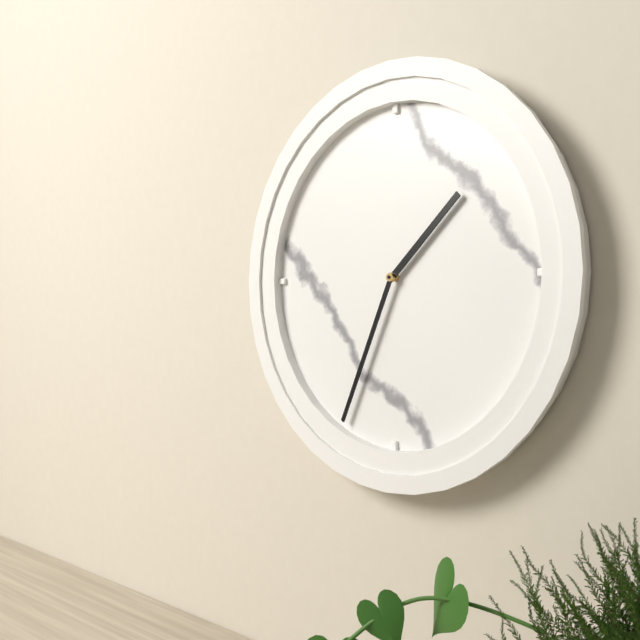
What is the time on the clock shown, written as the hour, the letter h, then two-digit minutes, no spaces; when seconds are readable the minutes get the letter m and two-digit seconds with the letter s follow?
1h34
